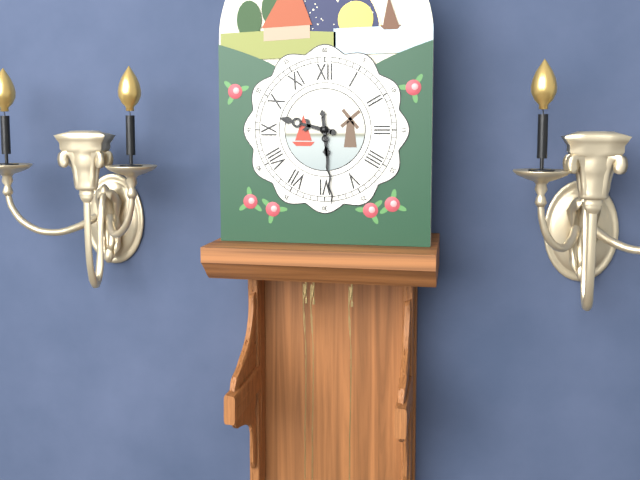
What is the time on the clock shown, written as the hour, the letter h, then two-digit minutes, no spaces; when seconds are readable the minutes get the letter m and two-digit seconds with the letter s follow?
9h29
